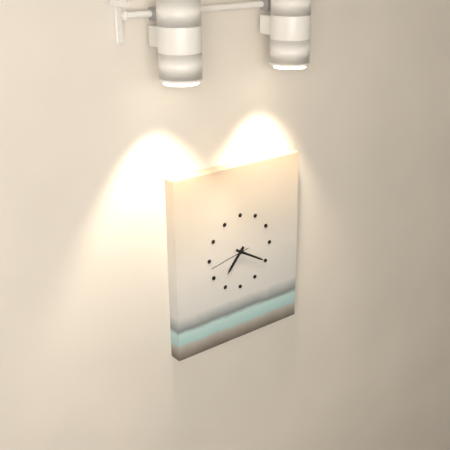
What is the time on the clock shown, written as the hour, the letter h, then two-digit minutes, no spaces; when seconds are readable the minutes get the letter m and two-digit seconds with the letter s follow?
7h20
